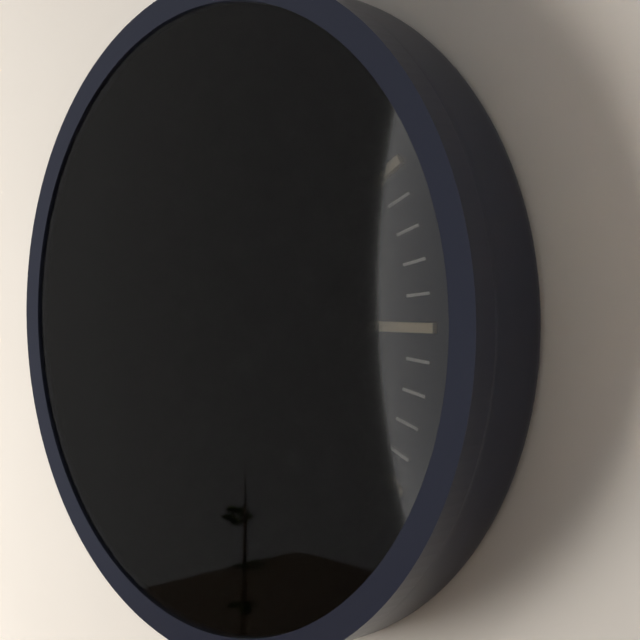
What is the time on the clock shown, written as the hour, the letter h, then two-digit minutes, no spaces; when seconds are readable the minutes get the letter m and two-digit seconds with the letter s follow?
8h20
